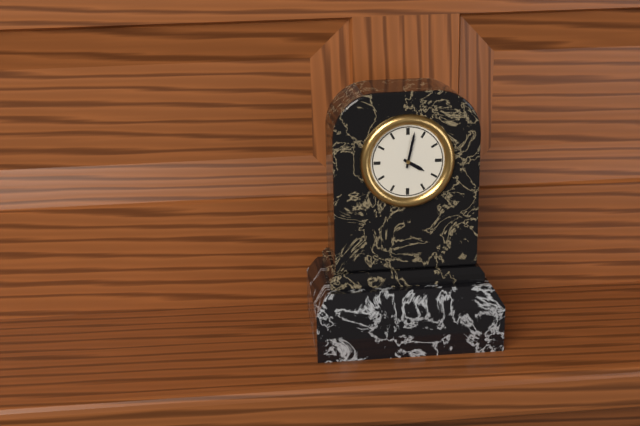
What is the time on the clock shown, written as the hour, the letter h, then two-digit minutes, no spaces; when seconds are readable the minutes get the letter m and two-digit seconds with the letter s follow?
4h02
